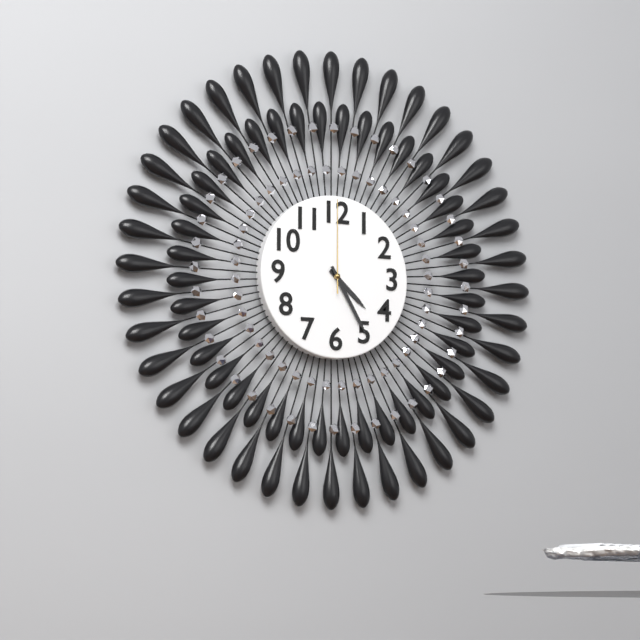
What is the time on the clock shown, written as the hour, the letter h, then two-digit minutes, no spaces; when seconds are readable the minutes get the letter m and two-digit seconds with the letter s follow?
4h25m00s
